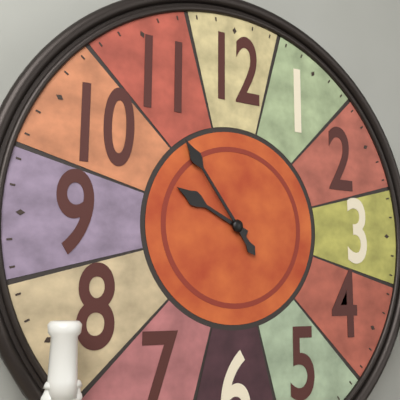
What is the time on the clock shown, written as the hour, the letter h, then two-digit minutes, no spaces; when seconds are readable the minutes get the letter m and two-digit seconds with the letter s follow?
9h54
